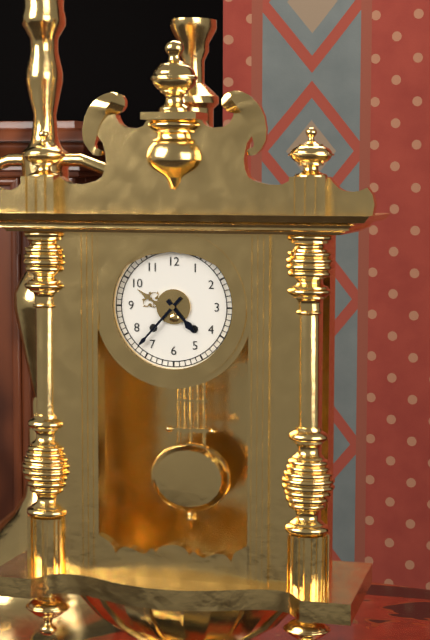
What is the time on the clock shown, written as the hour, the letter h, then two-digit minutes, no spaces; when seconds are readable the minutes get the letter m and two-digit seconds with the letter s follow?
4h37
